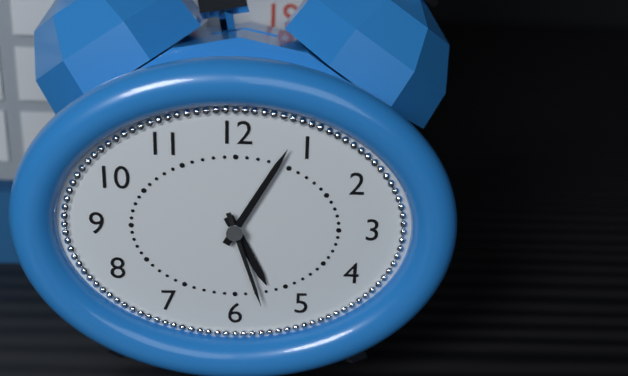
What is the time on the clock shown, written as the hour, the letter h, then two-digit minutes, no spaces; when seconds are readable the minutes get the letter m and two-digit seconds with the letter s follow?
5h05m27s
